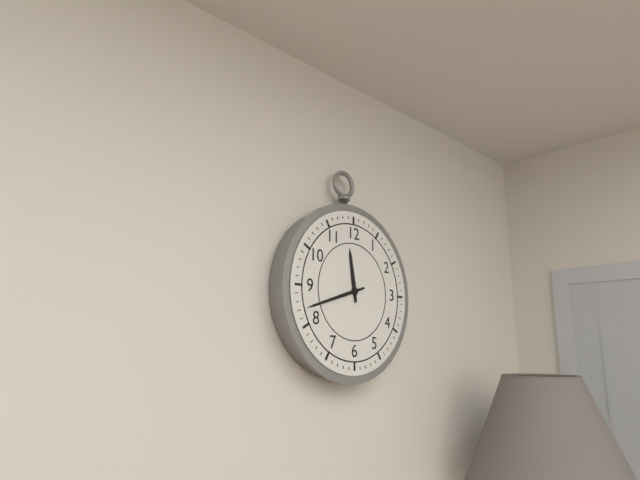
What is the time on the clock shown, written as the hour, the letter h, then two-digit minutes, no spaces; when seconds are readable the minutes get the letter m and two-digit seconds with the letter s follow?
11h42
